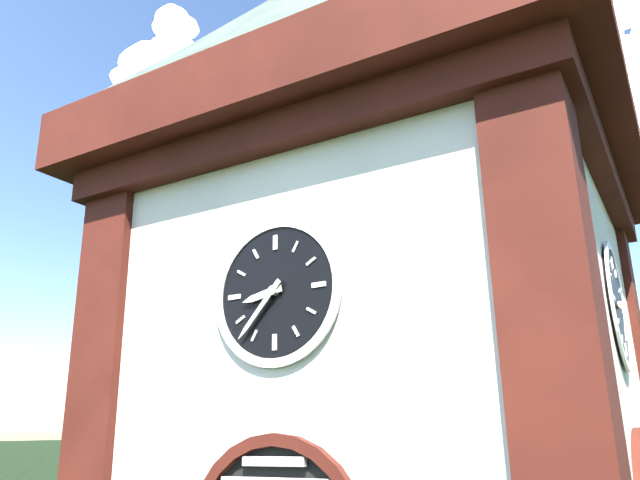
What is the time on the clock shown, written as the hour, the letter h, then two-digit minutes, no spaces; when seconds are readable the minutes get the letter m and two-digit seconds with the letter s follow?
8h37
